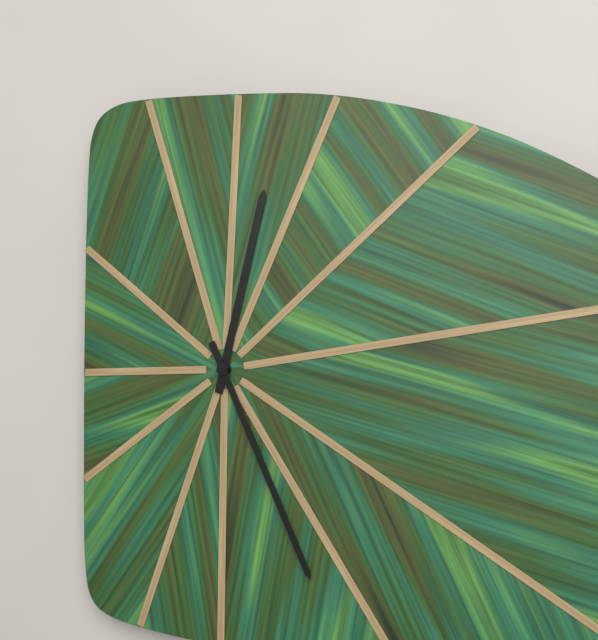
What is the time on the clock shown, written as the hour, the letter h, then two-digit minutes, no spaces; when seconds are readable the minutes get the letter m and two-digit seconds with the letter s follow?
12h26
